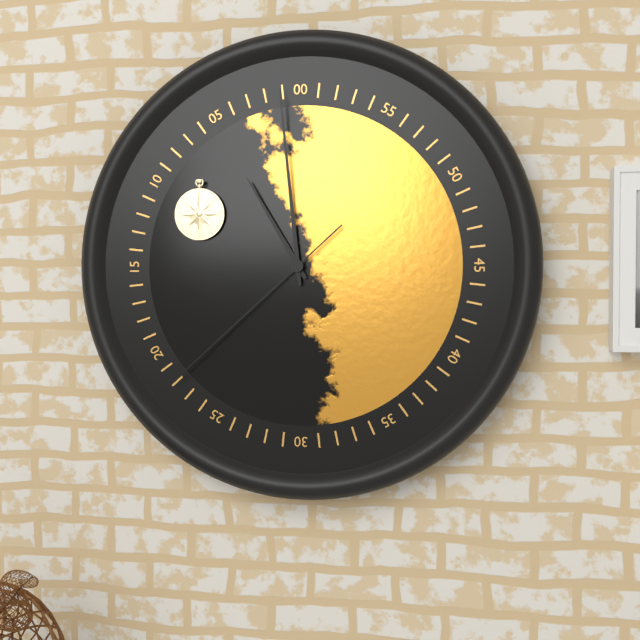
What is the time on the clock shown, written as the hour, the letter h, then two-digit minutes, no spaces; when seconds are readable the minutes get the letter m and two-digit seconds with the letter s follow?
10h59m38s
